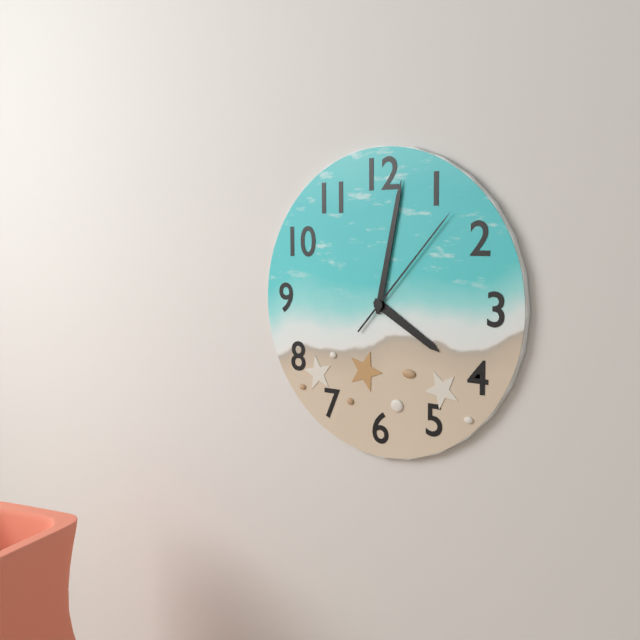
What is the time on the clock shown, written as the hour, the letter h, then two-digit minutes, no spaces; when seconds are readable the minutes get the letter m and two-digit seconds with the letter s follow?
4h02m07s
